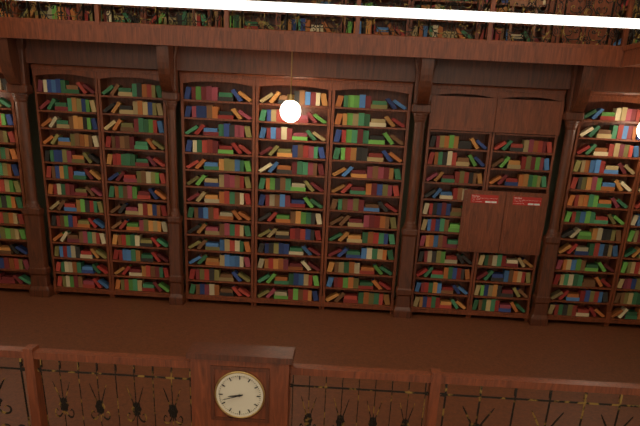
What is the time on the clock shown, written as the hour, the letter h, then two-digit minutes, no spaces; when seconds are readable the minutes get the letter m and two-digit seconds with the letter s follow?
8h42
